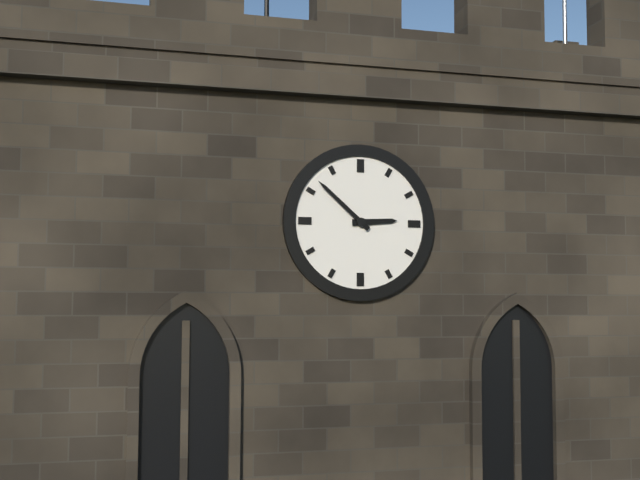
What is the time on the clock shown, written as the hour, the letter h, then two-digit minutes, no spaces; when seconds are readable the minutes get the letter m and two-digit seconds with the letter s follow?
2h52
